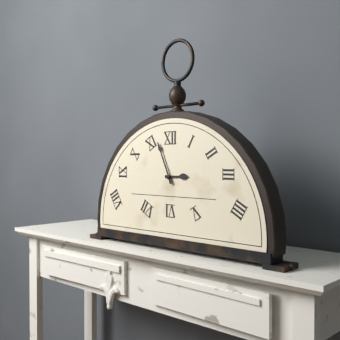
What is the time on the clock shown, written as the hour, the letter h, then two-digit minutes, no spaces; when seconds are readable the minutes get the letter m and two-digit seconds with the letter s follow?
2h56
